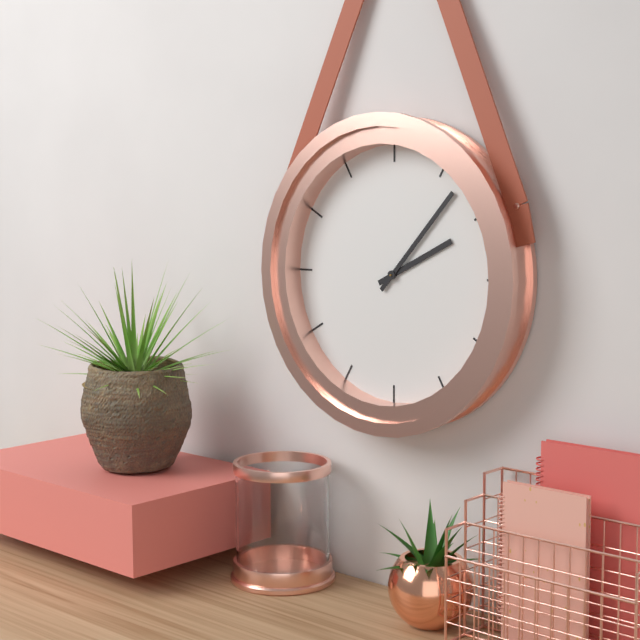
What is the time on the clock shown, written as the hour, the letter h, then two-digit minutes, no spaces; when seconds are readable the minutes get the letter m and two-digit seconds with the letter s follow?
2h07
